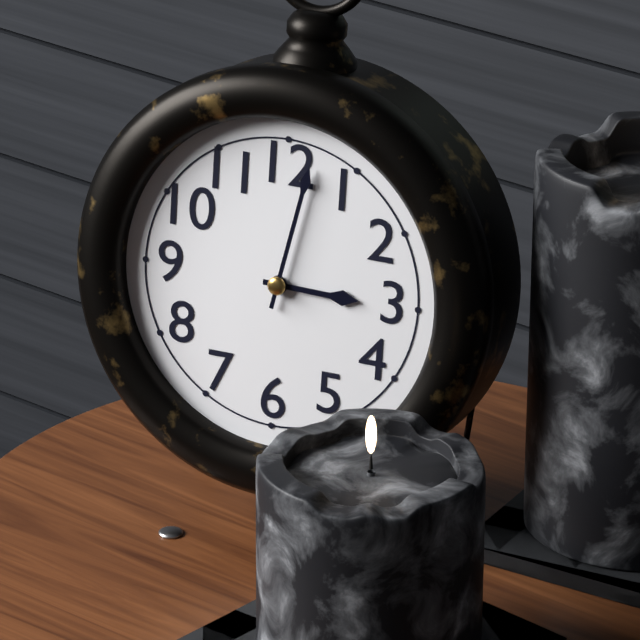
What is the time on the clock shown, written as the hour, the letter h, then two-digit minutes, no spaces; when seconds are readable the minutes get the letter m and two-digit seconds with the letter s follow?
3h02
